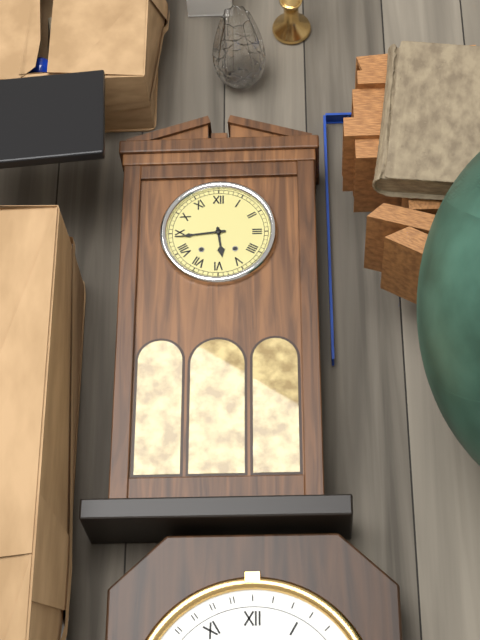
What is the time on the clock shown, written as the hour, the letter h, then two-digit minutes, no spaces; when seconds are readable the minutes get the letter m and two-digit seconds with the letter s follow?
5h44
